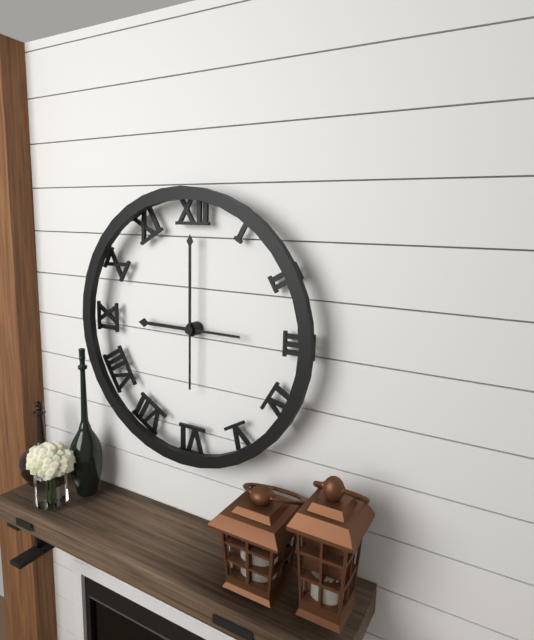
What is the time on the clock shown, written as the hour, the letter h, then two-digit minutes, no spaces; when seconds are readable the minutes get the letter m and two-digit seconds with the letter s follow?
9h00
